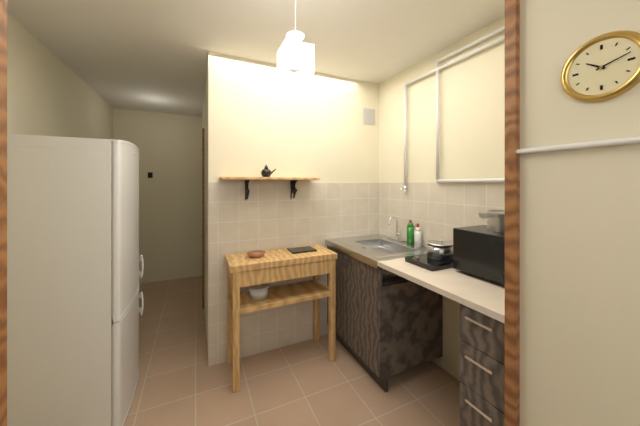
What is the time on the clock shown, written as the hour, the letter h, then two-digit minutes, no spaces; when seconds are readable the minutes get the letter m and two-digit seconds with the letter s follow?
10h12
